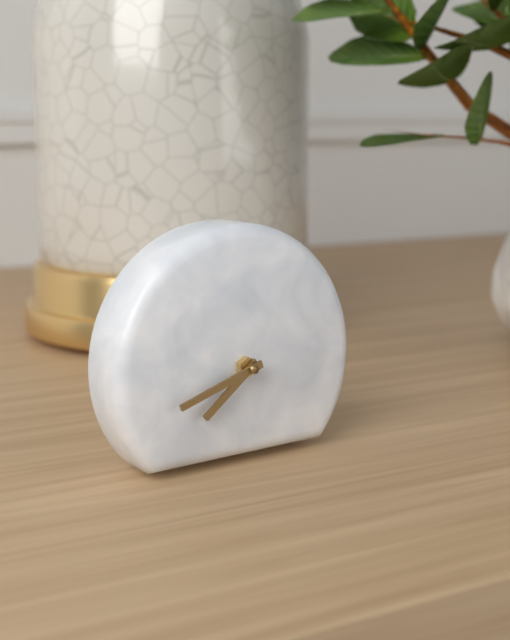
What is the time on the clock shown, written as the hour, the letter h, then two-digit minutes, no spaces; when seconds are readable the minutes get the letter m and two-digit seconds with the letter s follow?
7h42
